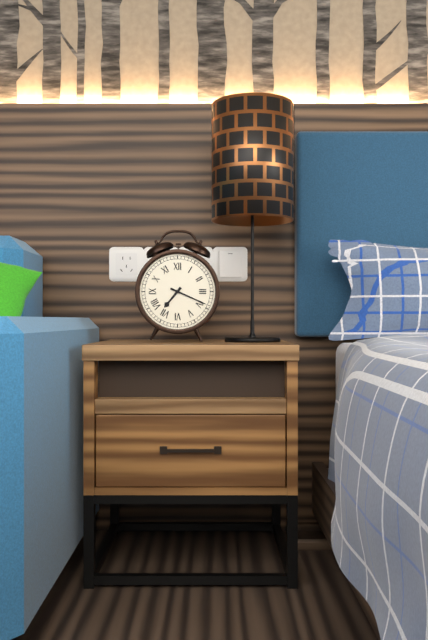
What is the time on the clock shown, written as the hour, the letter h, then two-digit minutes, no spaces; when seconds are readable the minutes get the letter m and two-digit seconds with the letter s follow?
7h19
